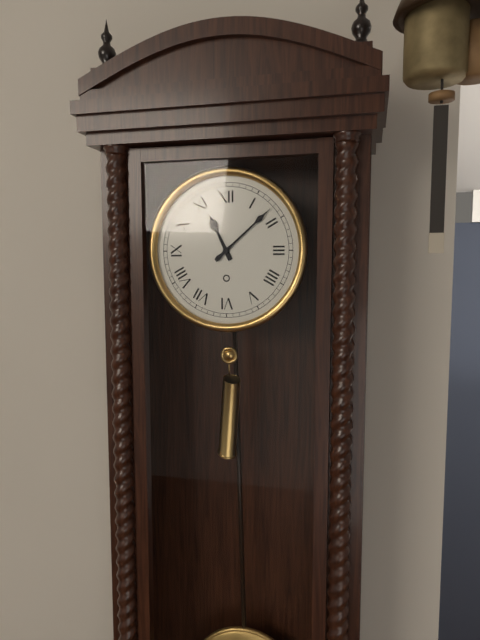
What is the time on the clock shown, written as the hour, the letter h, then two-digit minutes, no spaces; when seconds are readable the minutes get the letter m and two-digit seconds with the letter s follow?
11h08
